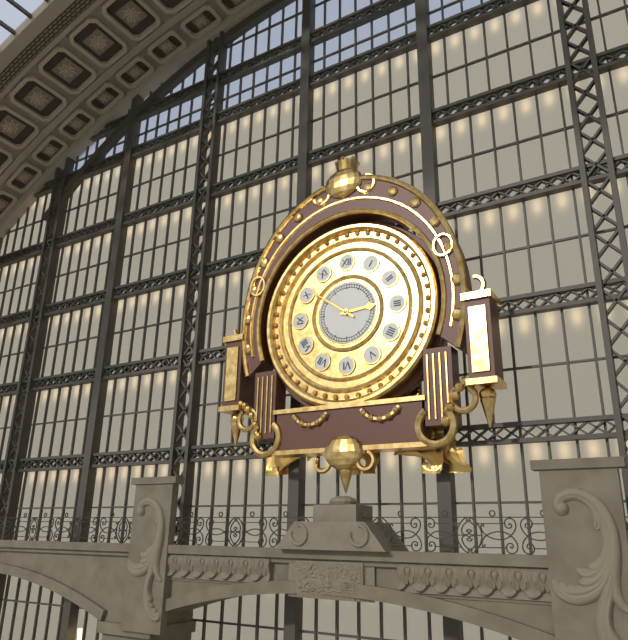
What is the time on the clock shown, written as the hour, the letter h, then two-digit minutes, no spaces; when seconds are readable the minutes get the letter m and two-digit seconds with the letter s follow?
2h51
